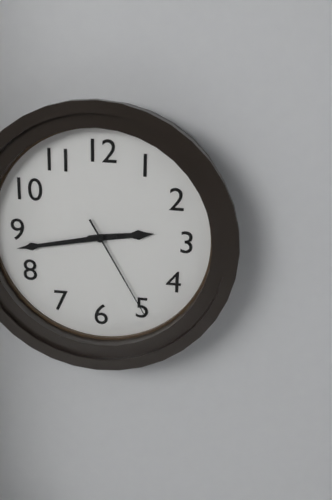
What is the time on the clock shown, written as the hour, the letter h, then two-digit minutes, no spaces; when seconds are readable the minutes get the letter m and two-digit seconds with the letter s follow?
2h43m25s
